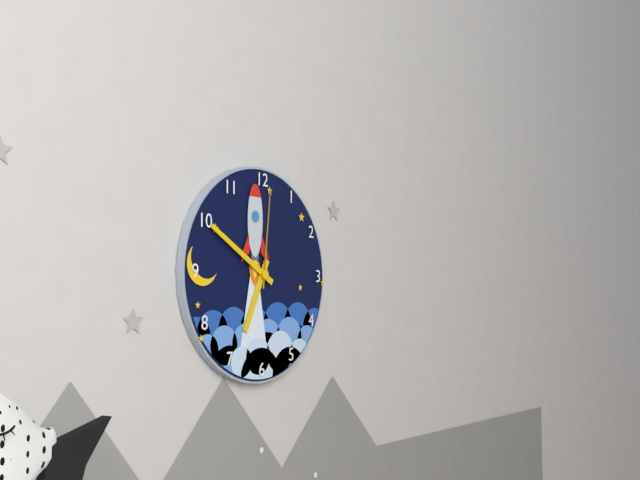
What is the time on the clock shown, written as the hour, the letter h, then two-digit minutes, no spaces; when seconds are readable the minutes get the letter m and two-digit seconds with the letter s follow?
6h50m01s
